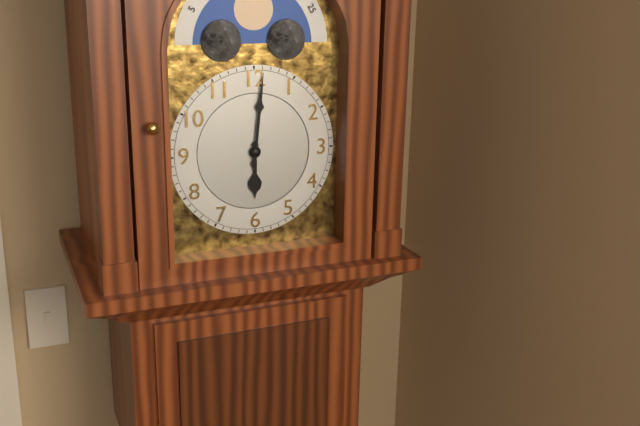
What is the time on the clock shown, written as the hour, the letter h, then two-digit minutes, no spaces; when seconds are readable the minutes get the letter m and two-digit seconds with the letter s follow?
6h01
